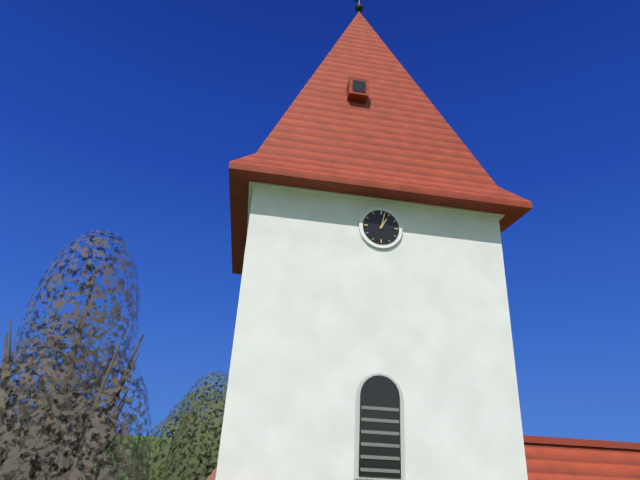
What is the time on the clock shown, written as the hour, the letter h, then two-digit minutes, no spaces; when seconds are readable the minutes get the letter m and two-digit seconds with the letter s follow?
1h02
